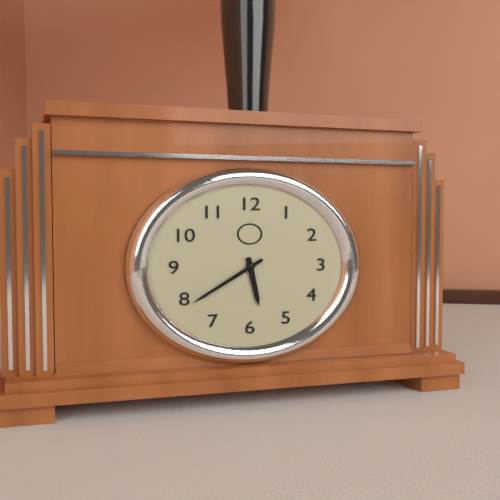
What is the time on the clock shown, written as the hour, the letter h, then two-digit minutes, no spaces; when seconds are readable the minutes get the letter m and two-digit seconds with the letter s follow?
5h39
